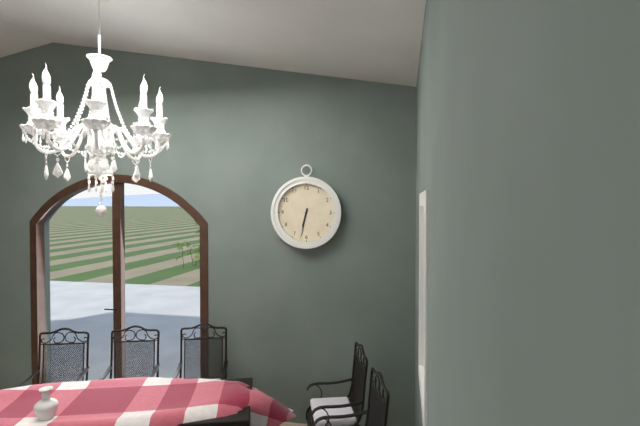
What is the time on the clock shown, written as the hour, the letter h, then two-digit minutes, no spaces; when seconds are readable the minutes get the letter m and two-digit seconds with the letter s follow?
6h32
